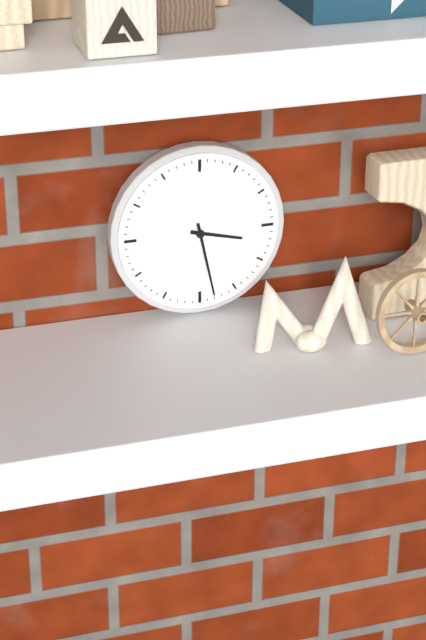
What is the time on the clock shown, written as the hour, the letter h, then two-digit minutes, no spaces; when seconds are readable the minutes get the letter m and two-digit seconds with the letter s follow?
3h28
